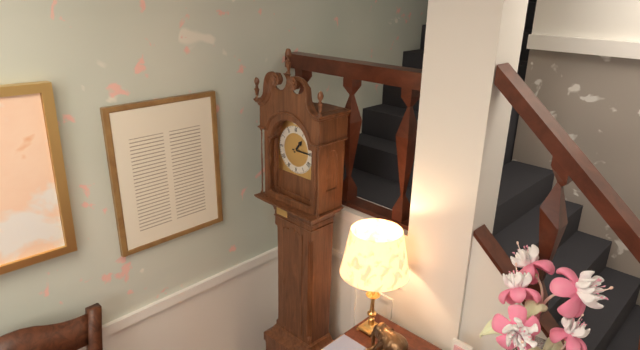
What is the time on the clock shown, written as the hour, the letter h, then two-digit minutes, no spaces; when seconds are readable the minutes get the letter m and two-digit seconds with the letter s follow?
1h15
